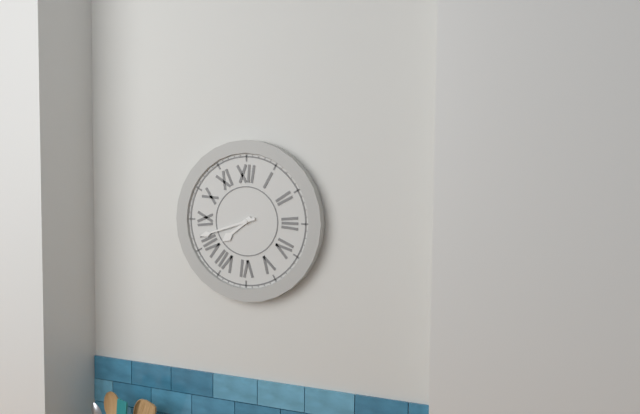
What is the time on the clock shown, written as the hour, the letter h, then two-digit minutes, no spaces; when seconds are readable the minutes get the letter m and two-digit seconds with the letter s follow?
7h42
